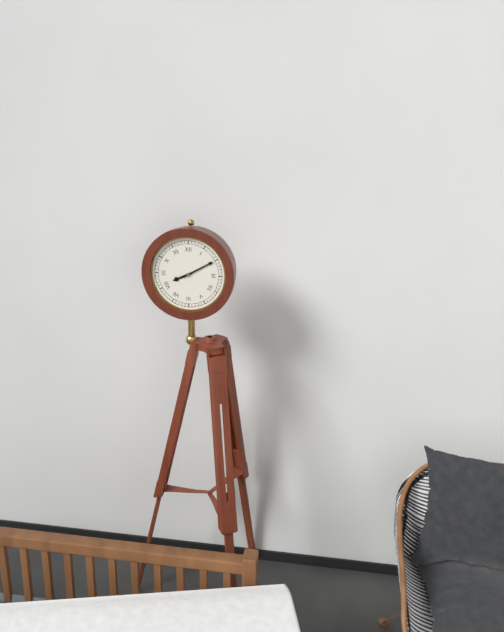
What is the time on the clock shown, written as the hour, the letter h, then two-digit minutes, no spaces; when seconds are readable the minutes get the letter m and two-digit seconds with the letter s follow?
8h10
